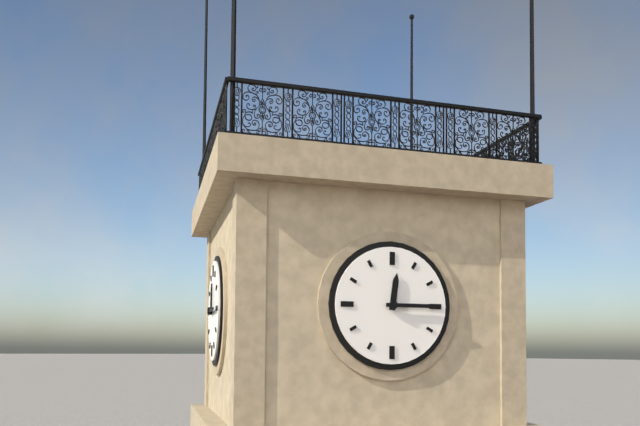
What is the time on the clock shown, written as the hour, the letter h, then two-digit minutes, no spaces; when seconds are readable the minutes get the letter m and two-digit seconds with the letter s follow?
12h15
